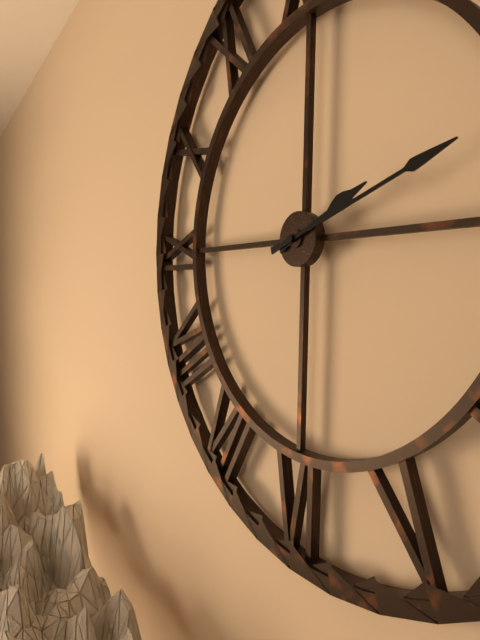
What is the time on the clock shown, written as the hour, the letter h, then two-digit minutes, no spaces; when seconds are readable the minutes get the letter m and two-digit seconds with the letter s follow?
2h12
